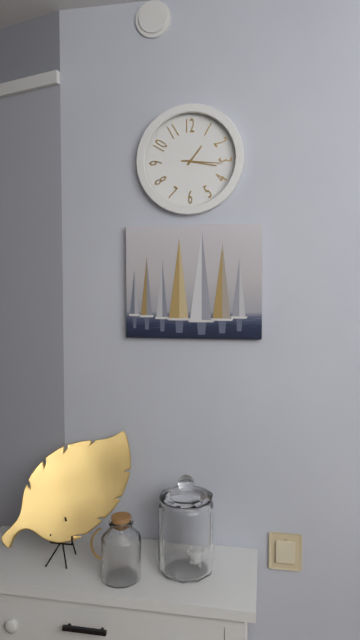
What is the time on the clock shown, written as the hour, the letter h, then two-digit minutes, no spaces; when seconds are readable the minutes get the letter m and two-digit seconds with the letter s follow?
1h17
